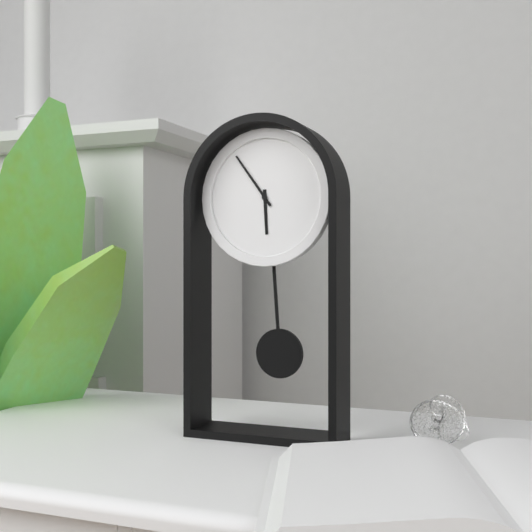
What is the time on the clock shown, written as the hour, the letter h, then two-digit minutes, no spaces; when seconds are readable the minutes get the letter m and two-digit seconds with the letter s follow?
5h54
